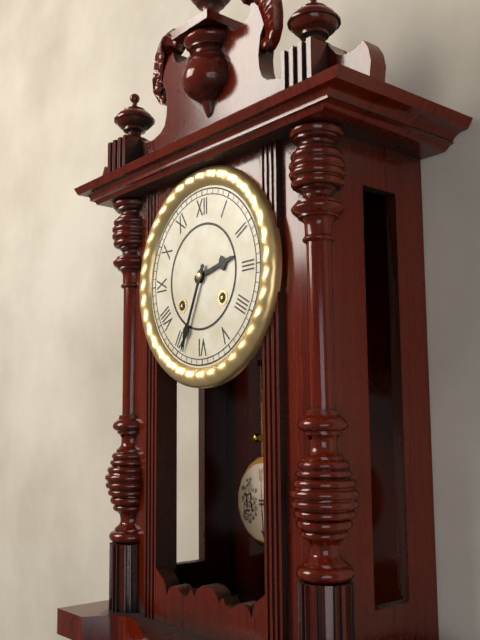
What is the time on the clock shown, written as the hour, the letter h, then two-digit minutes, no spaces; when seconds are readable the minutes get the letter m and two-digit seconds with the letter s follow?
2h34
